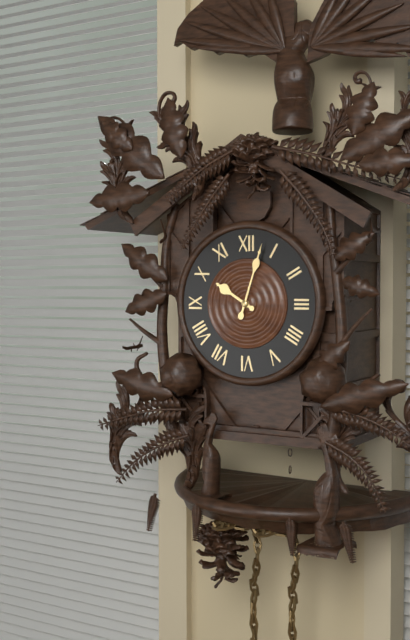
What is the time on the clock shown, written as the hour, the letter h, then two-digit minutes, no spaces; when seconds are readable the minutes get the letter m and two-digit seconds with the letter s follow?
10h03
